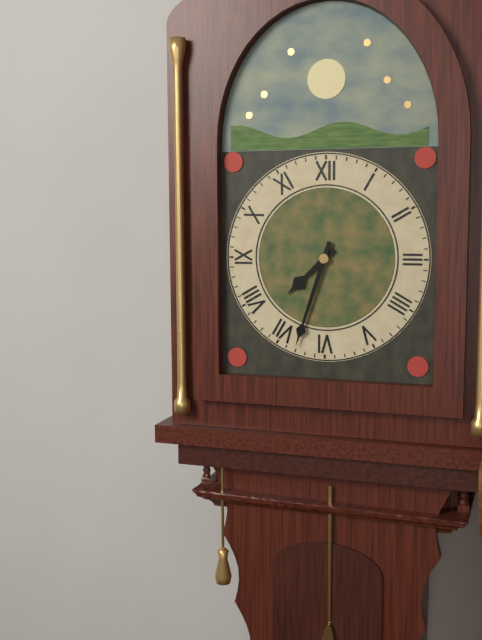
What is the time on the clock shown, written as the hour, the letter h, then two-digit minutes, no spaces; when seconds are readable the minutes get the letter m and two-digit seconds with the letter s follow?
7h33
